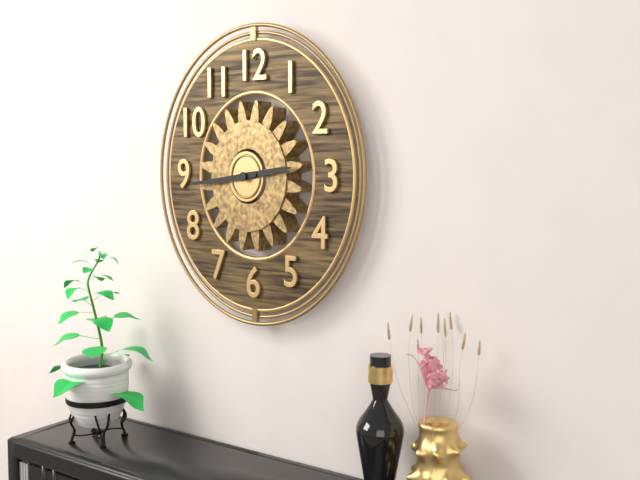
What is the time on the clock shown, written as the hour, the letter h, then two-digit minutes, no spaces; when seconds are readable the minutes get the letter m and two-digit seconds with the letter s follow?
2h44
